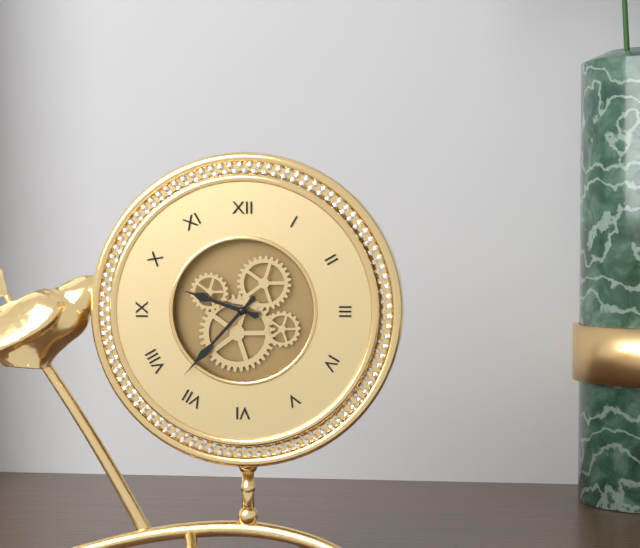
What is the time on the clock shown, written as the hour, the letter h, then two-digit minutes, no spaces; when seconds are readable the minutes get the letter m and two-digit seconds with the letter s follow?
9h37
